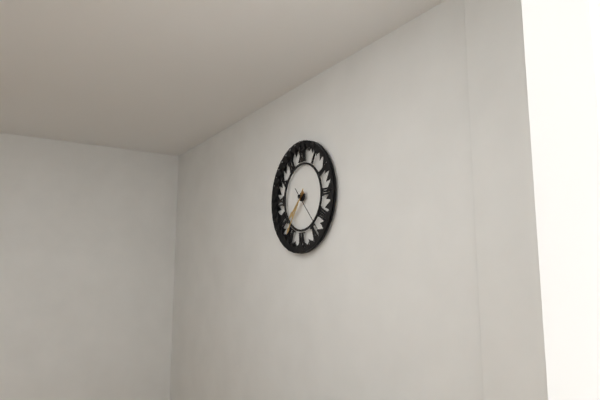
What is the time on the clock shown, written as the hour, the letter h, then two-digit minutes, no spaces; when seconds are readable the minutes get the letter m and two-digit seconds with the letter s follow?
7h36
